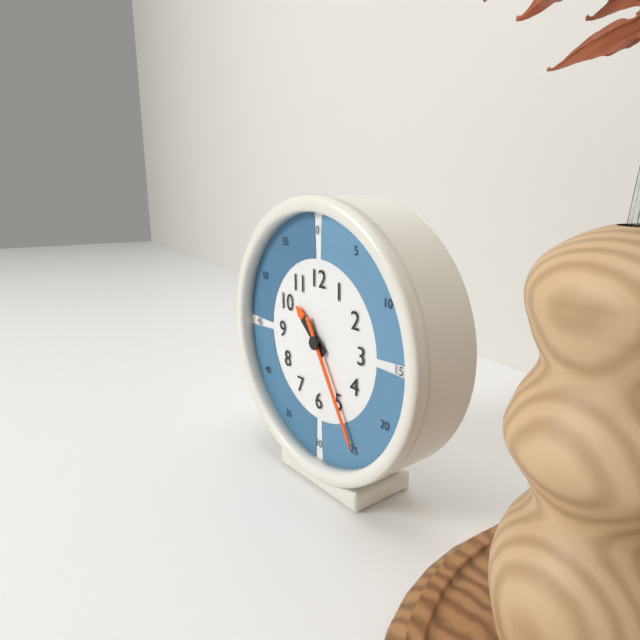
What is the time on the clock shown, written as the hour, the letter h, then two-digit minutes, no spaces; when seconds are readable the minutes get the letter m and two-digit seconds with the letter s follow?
10h25
